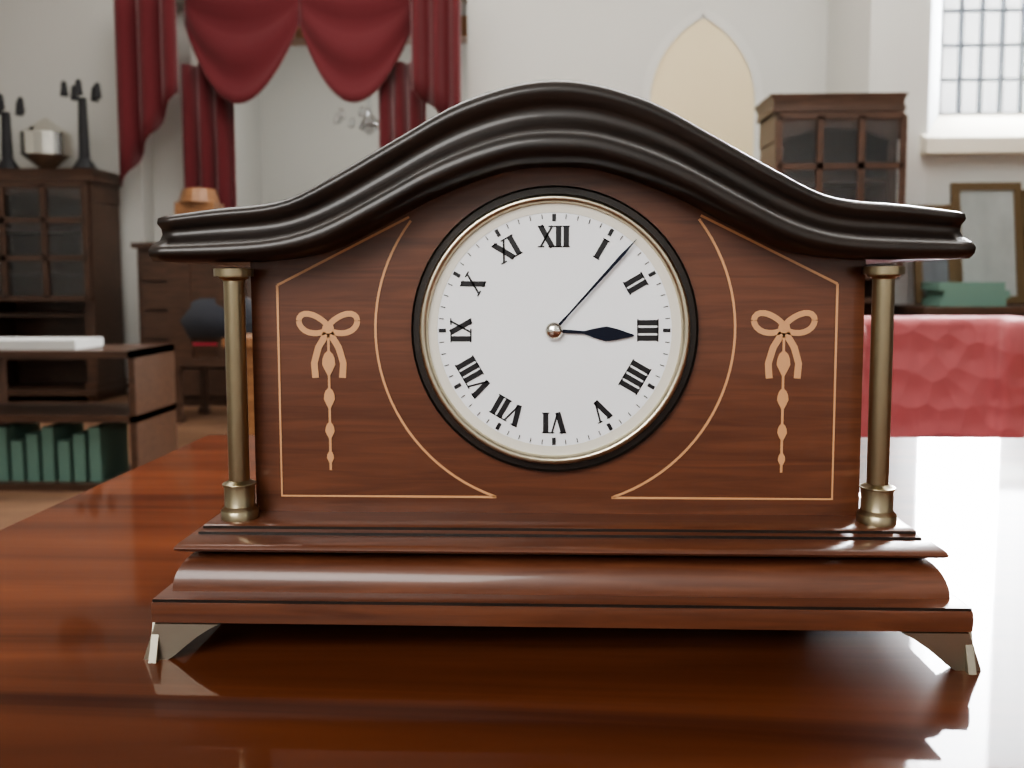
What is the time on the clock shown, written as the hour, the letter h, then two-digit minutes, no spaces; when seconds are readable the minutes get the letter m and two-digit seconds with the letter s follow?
3h07
